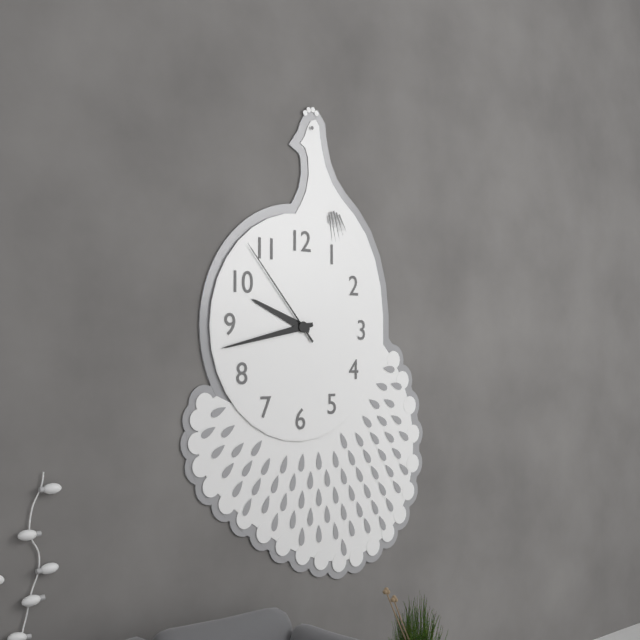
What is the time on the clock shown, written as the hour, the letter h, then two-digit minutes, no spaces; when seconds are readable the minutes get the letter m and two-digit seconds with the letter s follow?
9h43m53s
